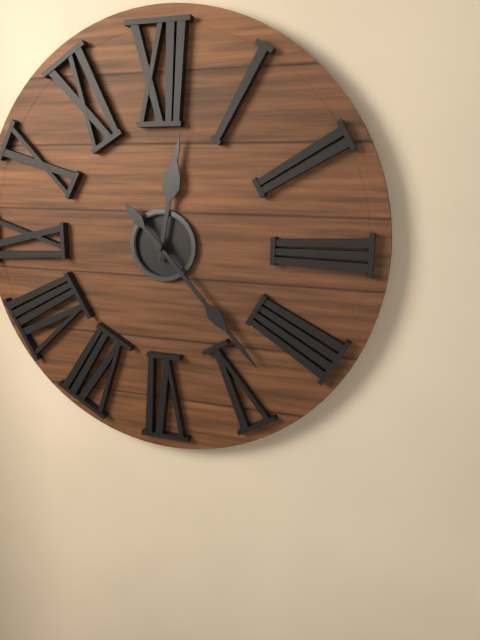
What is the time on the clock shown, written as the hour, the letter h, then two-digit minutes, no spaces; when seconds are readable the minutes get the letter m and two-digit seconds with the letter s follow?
12h23
